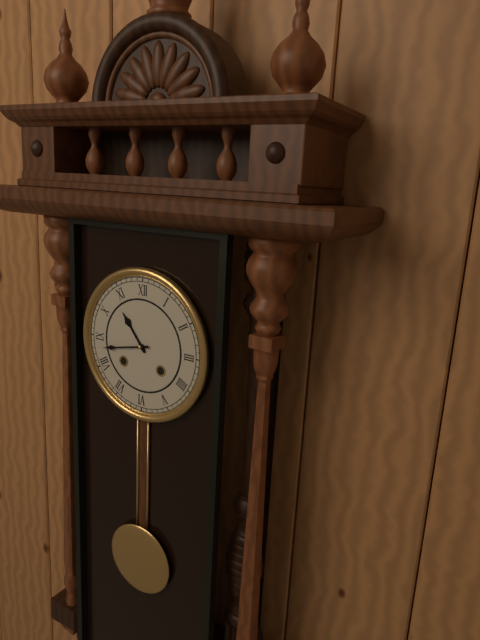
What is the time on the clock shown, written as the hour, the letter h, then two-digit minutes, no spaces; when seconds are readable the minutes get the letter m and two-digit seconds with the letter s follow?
10h43
